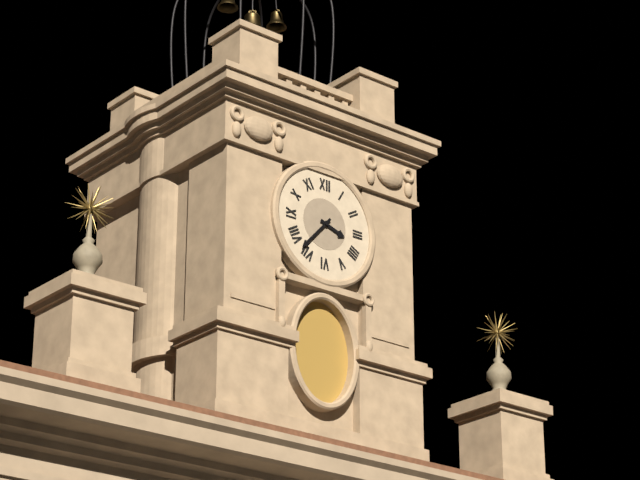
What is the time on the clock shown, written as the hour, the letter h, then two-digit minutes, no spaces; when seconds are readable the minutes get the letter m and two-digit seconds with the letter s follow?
3h37
